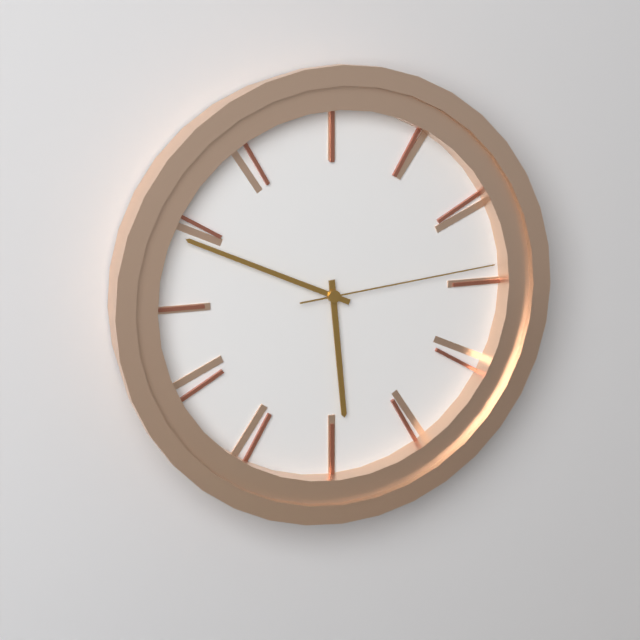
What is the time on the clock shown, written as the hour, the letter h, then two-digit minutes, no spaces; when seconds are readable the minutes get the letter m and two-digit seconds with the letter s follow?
5h49m14s
